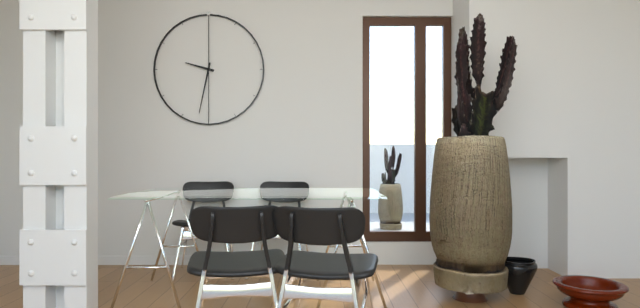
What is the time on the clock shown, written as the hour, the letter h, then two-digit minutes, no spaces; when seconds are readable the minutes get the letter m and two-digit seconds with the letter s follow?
9h32
